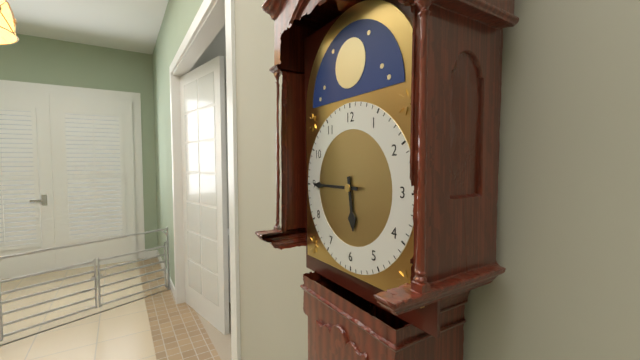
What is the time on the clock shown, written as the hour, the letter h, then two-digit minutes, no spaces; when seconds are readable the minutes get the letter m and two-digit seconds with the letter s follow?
5h45
